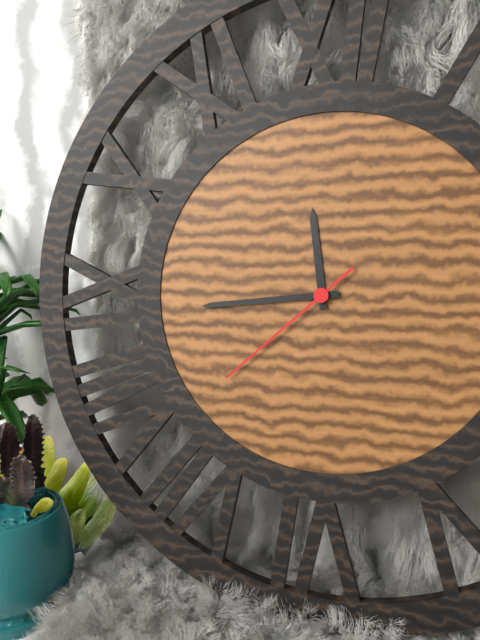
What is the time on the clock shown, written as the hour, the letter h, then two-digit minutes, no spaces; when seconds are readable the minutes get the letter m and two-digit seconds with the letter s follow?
11h44m38s
